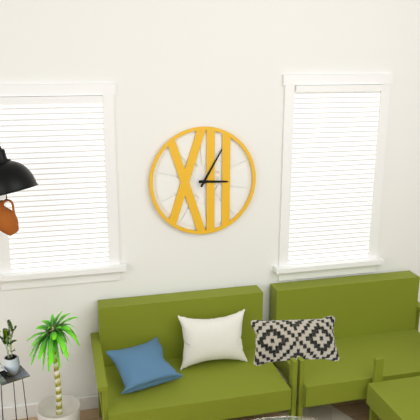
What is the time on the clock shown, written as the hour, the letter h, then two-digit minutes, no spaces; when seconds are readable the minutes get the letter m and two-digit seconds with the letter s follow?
3h05
